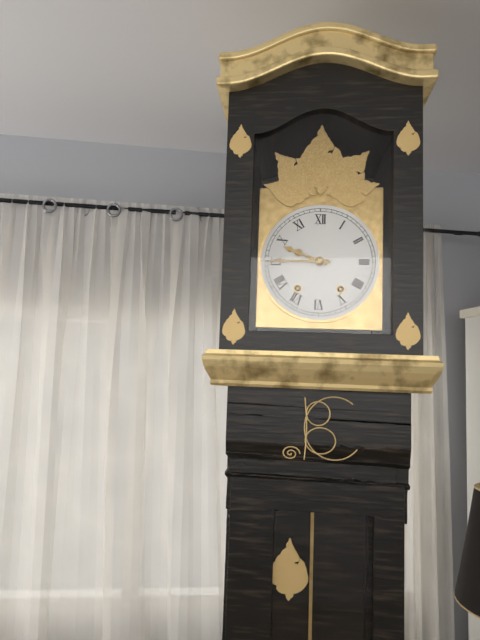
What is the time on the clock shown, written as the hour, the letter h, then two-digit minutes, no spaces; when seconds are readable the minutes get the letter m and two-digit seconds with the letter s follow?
9h45
